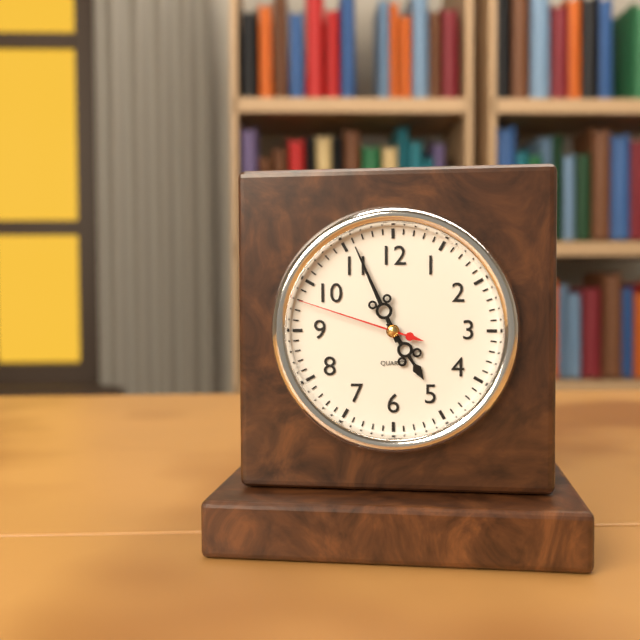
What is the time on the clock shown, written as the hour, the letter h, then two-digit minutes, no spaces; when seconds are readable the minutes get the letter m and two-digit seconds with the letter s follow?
4h56m48s
